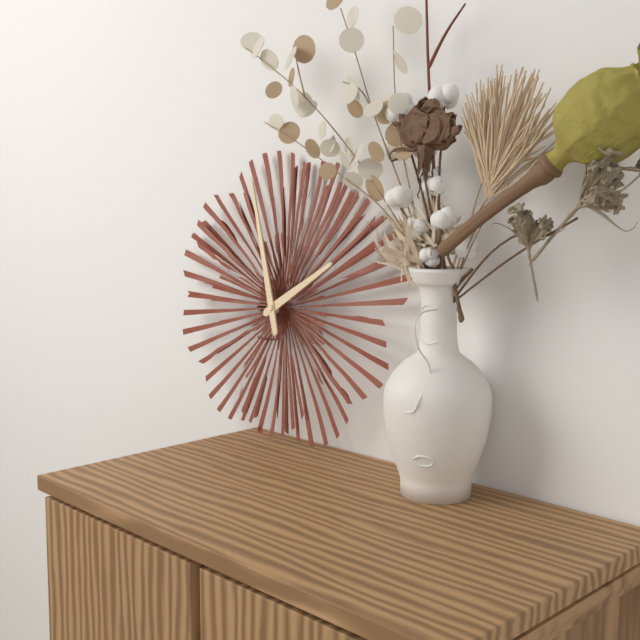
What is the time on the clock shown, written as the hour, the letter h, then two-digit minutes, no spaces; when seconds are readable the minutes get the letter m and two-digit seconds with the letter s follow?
1h57
